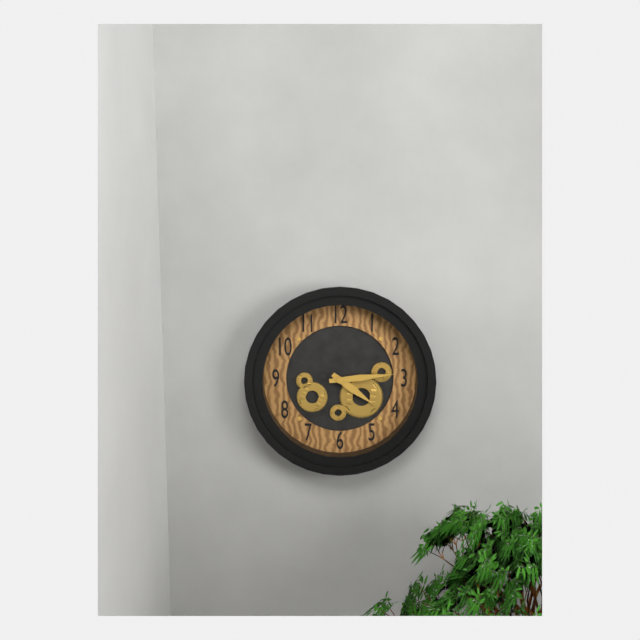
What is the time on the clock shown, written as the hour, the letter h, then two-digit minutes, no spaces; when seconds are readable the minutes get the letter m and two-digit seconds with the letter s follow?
4h14
